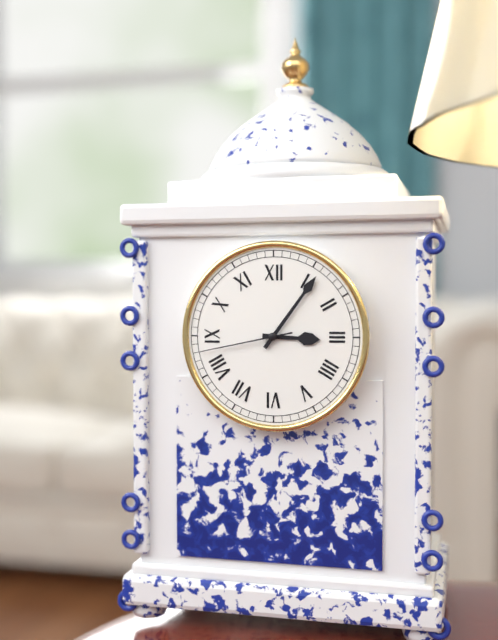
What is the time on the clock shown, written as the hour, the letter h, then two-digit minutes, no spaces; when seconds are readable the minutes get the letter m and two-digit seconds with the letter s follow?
3h06m43s
